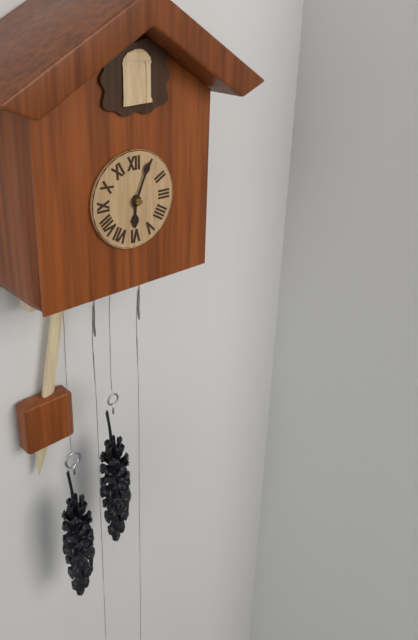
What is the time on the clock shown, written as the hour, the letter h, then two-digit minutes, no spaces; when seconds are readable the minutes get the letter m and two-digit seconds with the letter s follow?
6h04
